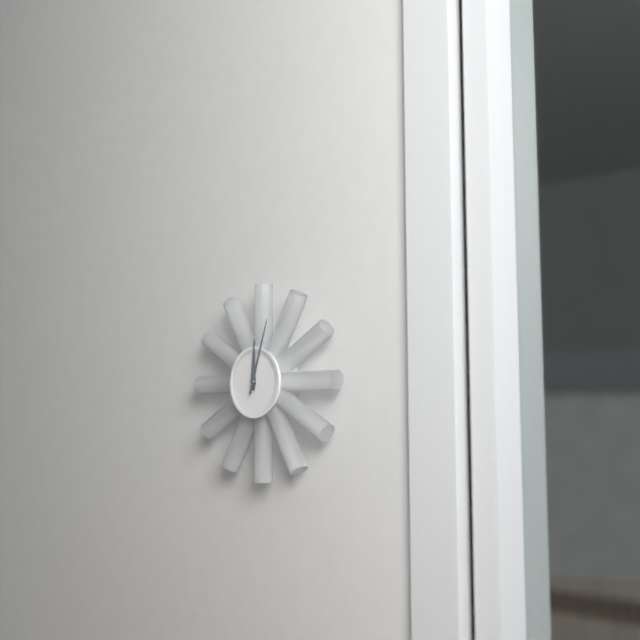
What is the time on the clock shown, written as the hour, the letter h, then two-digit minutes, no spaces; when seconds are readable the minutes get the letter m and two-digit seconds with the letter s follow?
12h03
